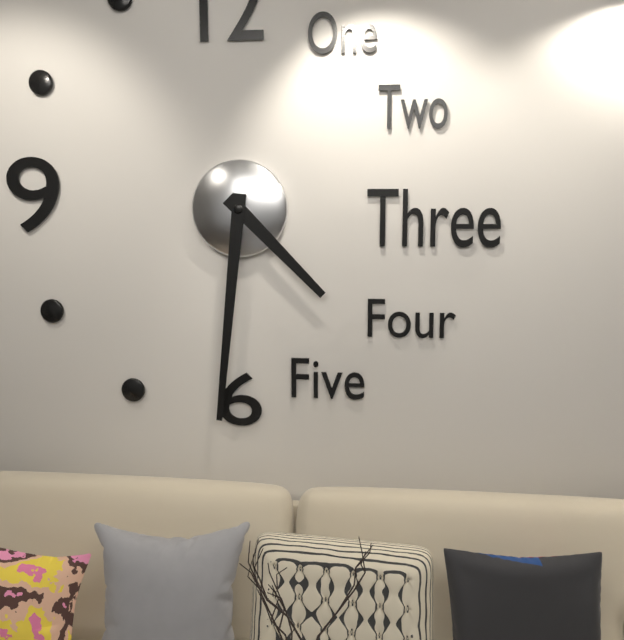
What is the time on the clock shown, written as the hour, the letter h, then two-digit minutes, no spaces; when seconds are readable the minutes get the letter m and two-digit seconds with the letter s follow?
4h31
